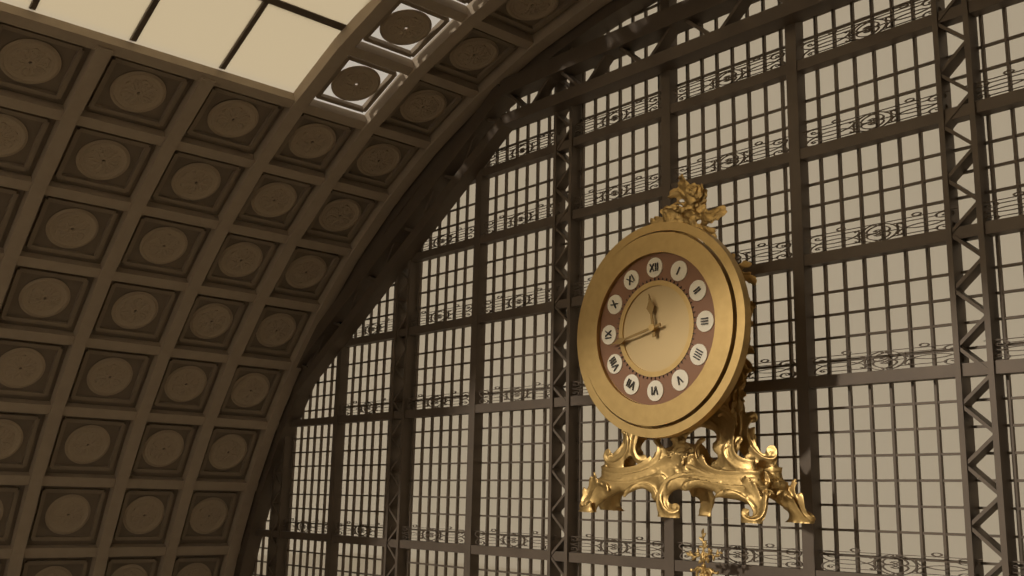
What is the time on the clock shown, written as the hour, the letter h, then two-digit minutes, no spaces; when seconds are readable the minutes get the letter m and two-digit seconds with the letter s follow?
11h43
